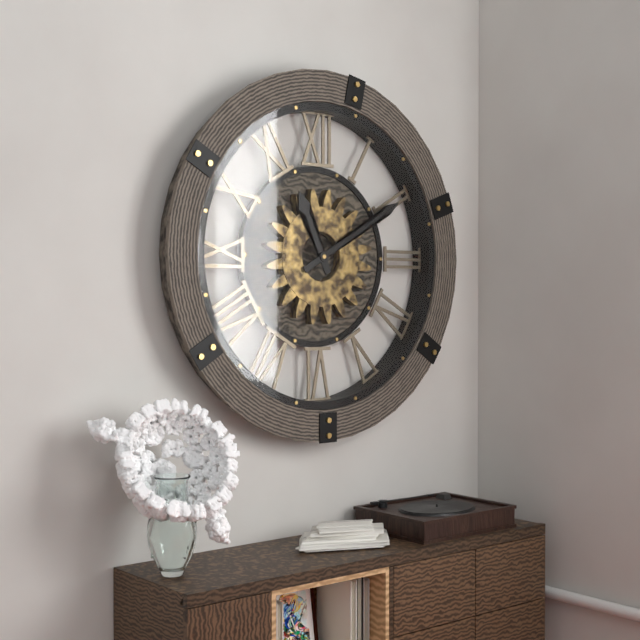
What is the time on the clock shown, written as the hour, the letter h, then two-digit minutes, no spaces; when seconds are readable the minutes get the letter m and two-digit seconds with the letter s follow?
11h10
